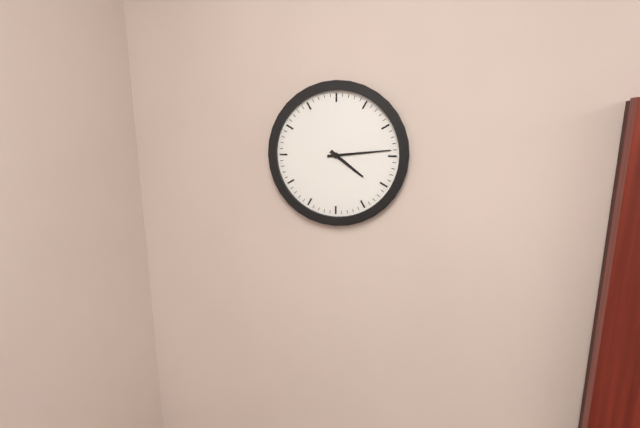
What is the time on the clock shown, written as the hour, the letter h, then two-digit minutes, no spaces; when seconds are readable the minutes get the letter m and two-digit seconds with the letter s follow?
4h14
